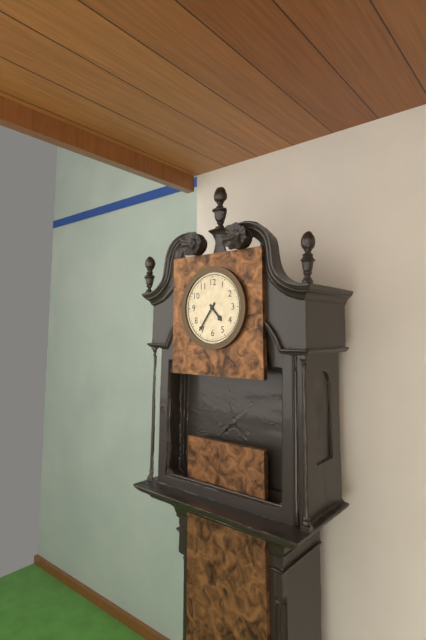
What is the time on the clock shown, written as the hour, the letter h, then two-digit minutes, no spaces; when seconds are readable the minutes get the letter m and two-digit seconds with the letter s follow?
4h36
